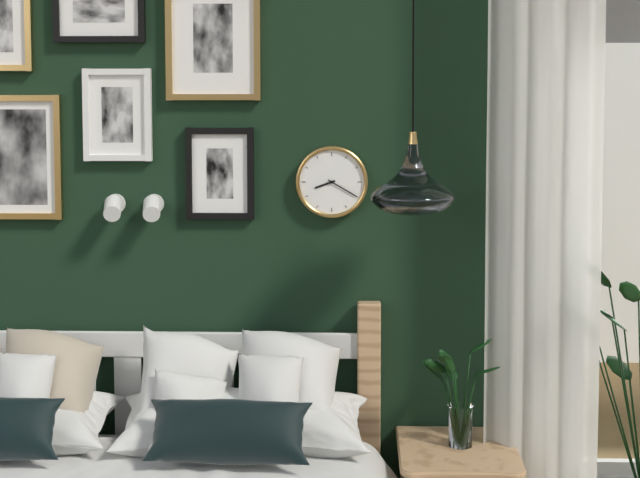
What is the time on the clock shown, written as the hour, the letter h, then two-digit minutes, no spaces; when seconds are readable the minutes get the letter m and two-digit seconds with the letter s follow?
8h20
